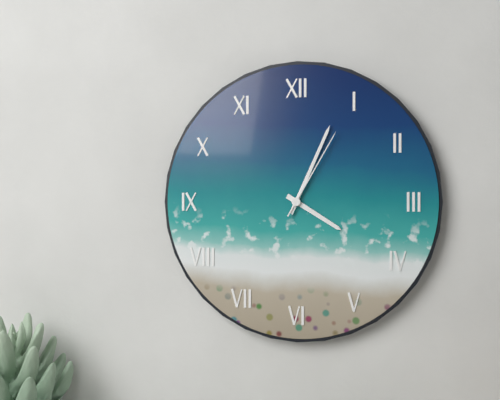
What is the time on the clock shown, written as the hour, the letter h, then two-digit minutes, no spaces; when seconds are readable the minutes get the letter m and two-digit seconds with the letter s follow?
4h04m05s
